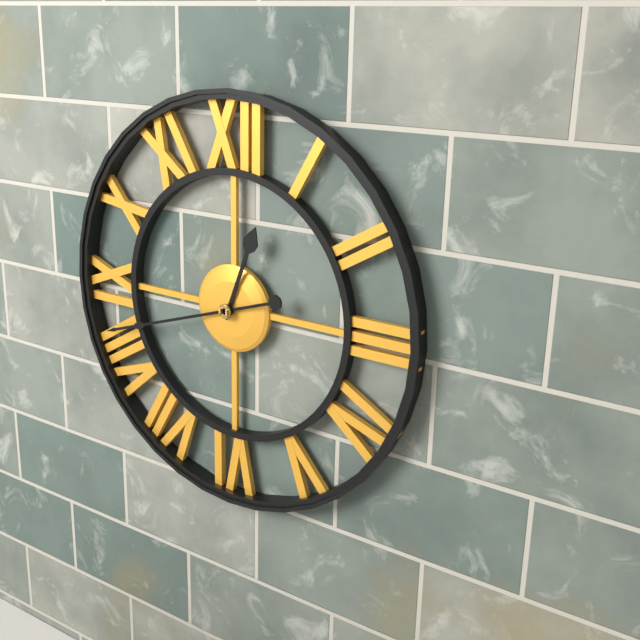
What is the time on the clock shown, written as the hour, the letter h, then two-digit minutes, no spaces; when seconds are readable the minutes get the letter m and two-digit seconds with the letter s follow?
12h42
